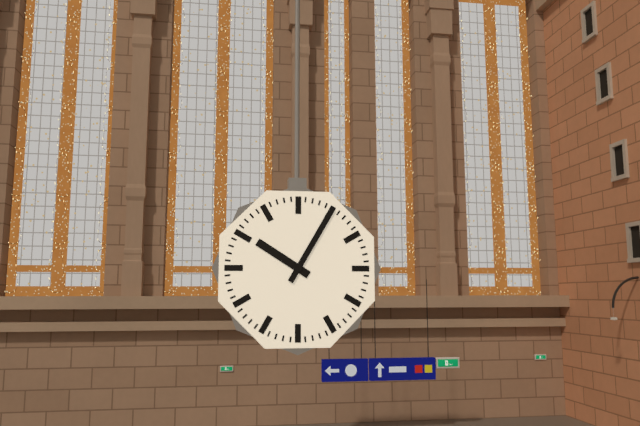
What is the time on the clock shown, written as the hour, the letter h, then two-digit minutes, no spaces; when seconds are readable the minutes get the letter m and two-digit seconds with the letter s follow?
10h05
